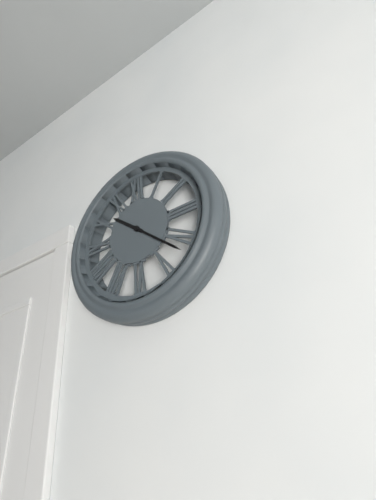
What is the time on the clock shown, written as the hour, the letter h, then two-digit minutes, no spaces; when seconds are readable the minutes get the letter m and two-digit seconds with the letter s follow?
10h22
